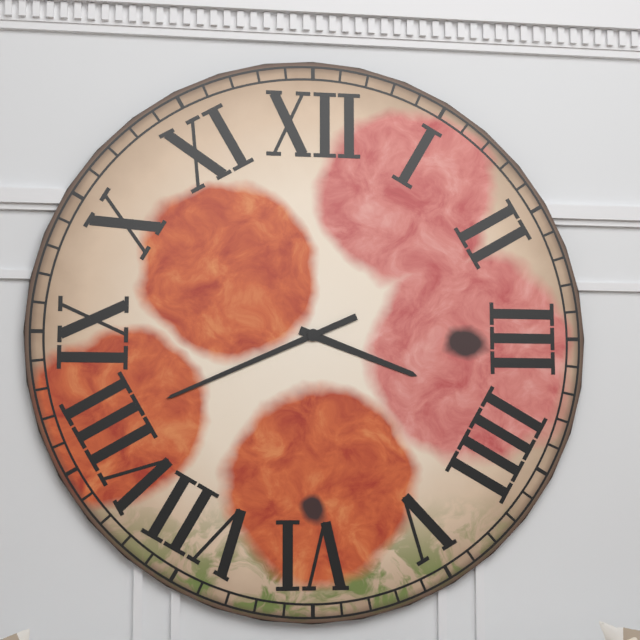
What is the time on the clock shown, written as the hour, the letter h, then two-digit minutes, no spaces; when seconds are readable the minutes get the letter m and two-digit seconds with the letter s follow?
3h41
